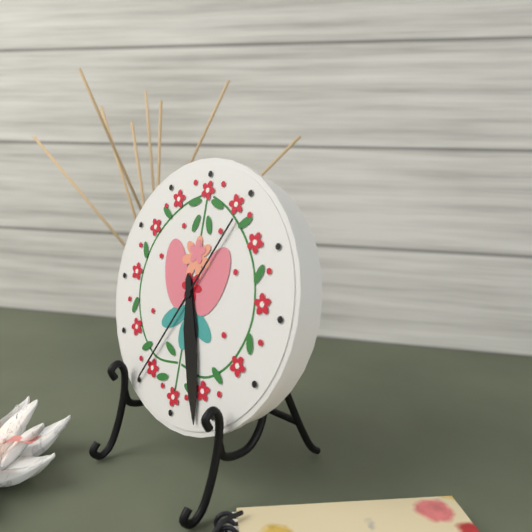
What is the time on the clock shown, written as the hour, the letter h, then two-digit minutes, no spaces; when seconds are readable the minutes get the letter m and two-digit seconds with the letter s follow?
5h27m35s
